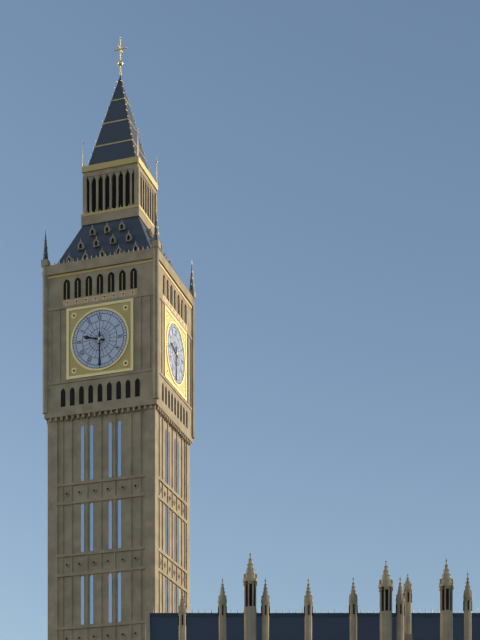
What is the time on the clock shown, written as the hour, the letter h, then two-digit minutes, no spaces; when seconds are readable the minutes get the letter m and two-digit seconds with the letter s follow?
9h30
